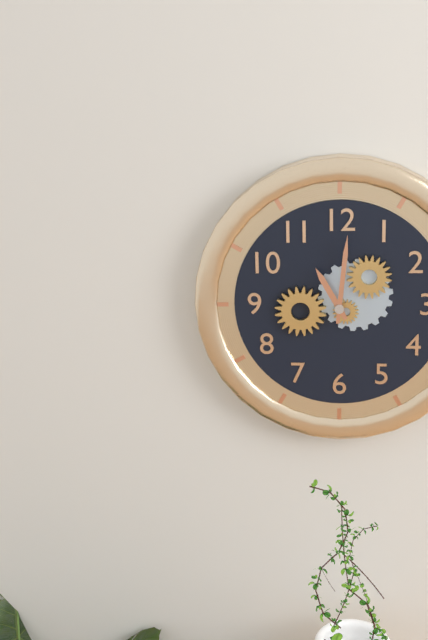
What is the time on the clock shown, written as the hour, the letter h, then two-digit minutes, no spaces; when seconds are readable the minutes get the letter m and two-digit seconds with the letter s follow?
11h01
